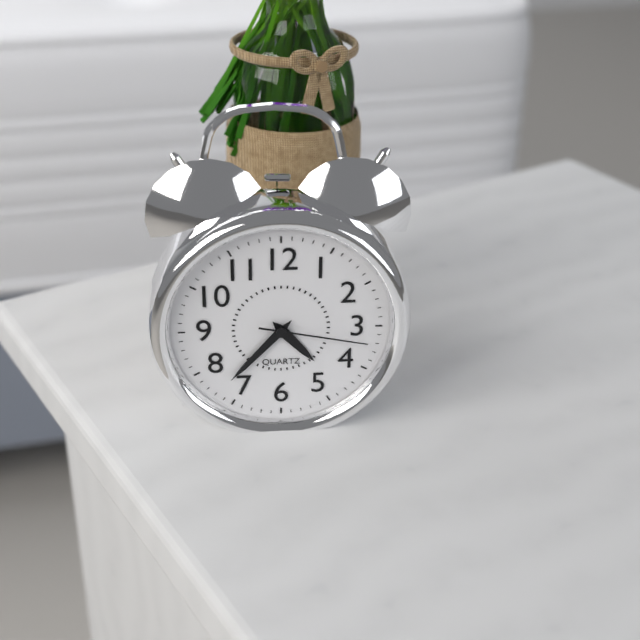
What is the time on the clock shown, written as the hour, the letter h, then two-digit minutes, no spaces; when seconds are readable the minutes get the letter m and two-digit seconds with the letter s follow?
4h37m17s
